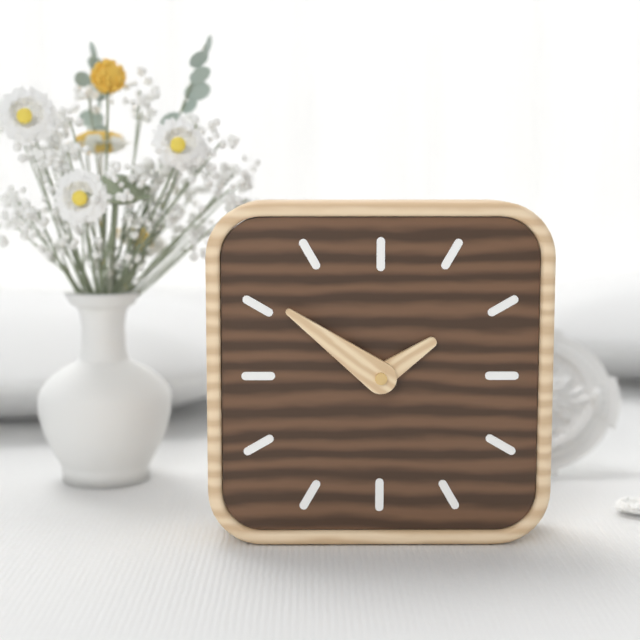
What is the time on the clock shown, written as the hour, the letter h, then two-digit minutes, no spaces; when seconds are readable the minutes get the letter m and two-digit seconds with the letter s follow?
1h51
